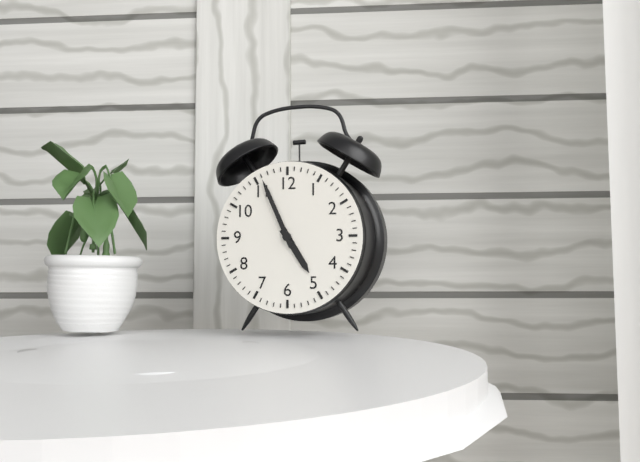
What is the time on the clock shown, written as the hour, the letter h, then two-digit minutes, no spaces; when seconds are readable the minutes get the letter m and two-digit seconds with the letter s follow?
4h56
